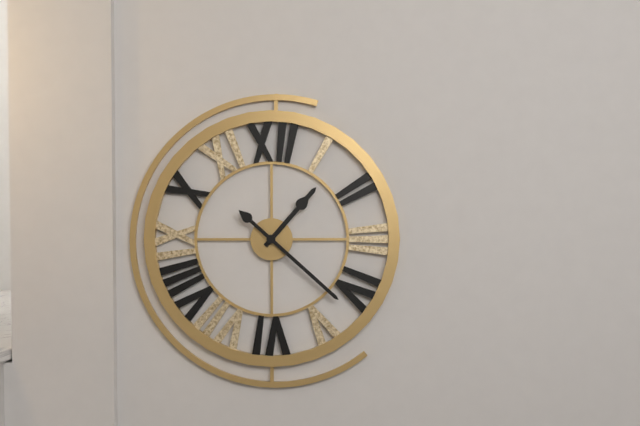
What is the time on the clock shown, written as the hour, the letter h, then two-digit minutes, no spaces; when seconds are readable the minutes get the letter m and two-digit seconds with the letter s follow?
1h22
